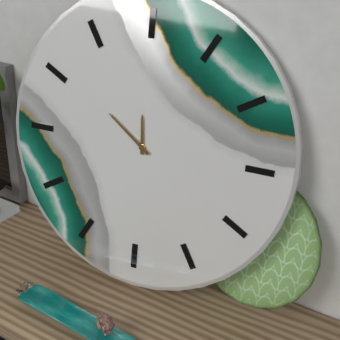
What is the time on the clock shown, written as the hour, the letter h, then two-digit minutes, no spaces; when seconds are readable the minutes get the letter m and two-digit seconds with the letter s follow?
11h51
